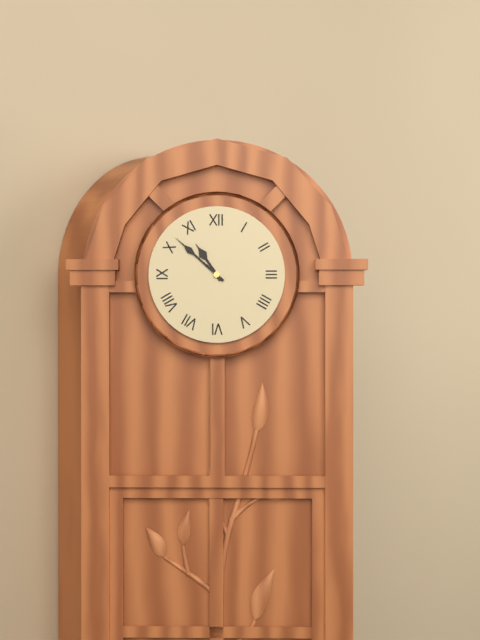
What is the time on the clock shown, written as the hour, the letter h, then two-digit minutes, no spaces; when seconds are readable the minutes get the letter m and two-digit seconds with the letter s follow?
10h52
